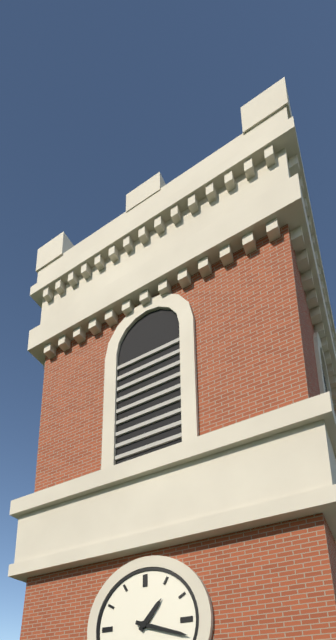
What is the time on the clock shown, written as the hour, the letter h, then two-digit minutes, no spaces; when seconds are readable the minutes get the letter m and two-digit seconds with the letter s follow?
1h18
